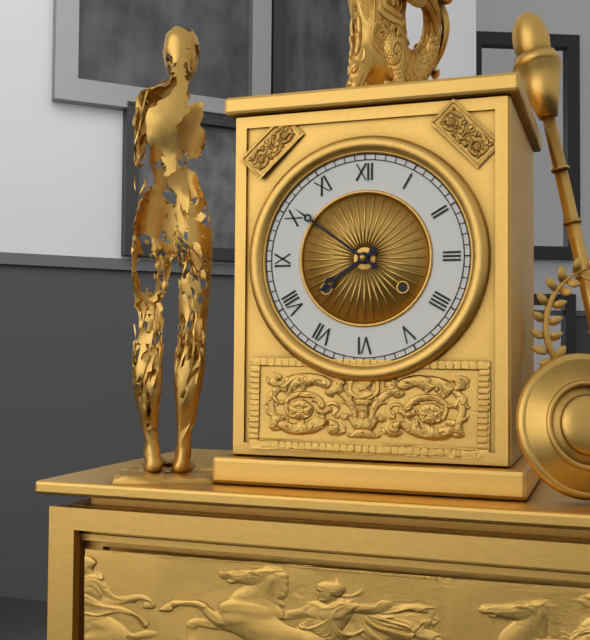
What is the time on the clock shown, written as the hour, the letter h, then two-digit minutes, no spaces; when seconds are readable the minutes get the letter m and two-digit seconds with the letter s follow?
7h51
